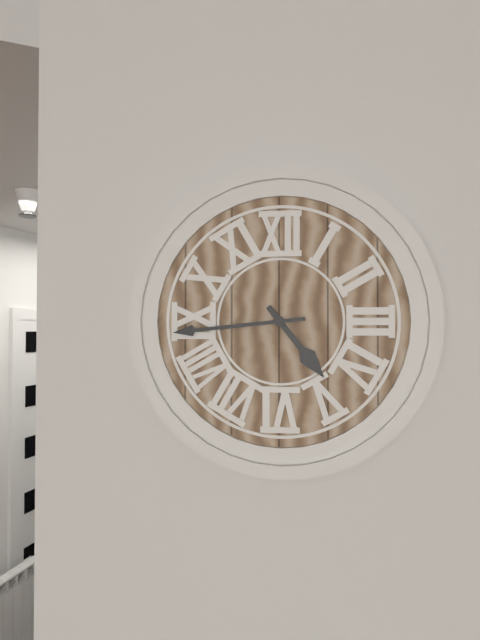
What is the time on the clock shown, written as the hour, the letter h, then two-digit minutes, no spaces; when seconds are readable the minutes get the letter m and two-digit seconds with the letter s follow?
4h44
